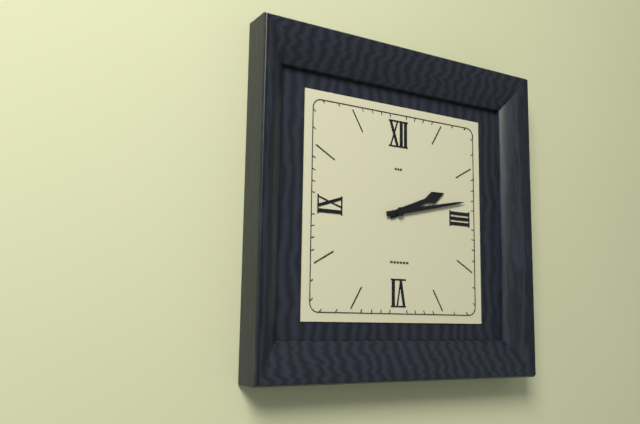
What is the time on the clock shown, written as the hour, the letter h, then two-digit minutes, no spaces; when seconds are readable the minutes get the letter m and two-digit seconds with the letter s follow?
2h13
